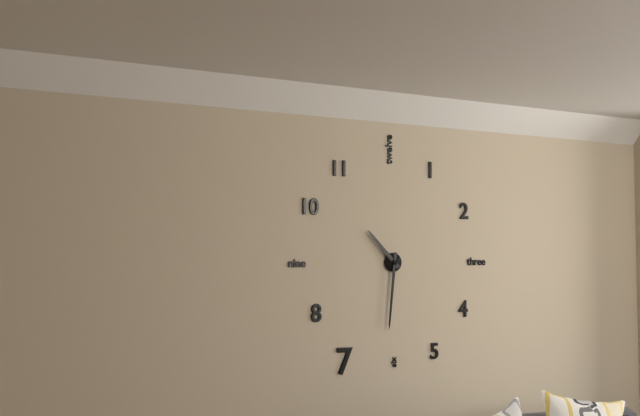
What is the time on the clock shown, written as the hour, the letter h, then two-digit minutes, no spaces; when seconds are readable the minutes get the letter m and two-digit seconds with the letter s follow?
10h31
